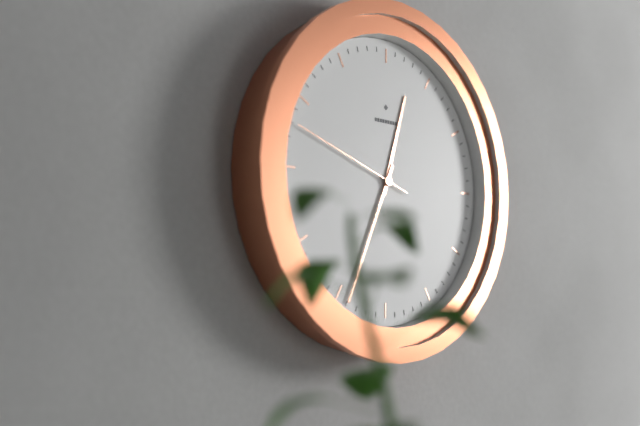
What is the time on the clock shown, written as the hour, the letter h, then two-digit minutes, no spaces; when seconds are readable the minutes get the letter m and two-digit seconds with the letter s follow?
12h34m48s
